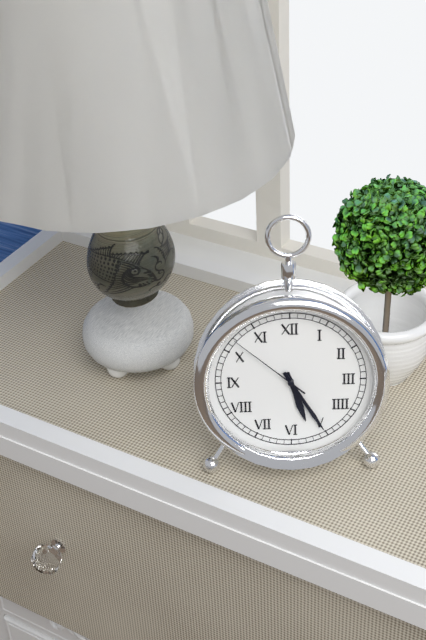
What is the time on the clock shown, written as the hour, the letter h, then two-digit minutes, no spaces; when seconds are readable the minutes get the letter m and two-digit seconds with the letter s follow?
5h25m52s
